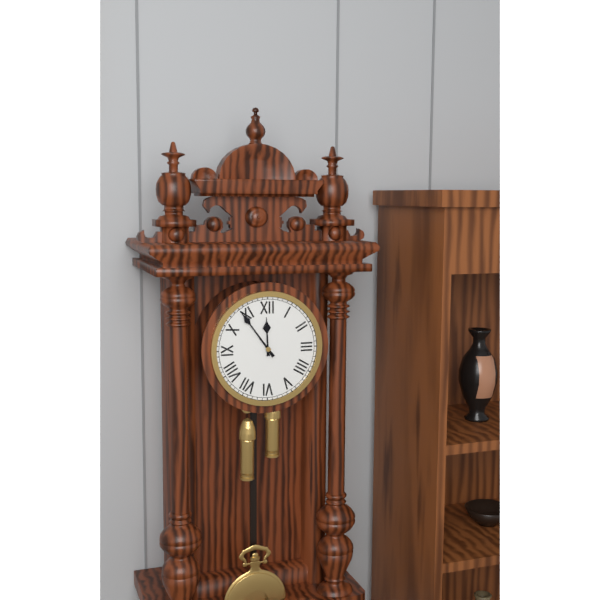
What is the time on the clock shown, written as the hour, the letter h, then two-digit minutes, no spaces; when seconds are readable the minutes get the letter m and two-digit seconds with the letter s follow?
11h54
